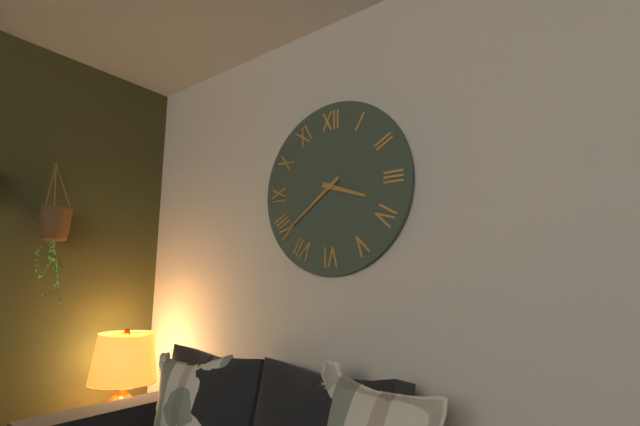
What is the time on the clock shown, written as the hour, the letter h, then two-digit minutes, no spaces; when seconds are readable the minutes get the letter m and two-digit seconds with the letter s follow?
3h39
